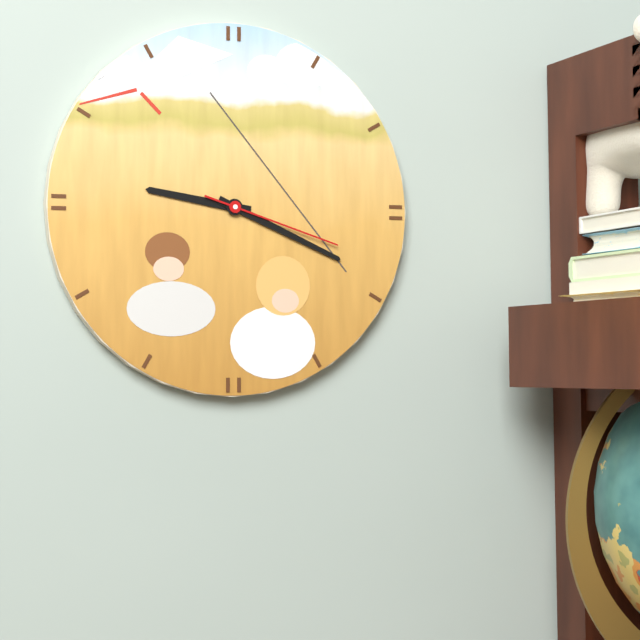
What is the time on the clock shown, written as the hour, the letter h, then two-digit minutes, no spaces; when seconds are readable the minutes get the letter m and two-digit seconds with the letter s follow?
9h19m18s
